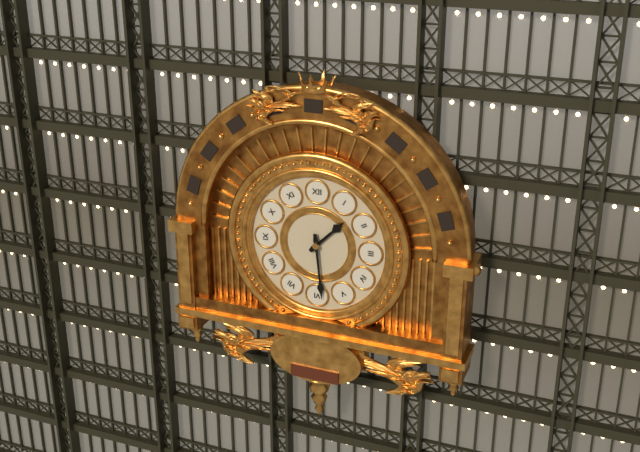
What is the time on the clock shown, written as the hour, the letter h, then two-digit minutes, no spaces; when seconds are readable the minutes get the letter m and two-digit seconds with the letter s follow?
1h29
